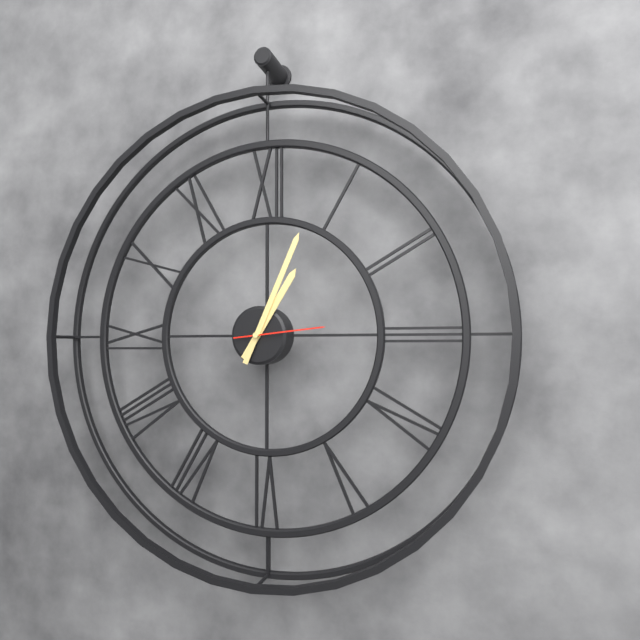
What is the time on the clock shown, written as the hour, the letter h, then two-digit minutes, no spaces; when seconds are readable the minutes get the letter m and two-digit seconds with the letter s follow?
1h04m14s
